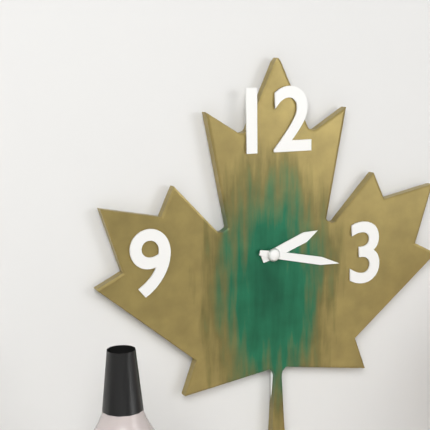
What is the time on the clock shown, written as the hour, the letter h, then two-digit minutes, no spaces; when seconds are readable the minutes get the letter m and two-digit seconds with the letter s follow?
2h17
